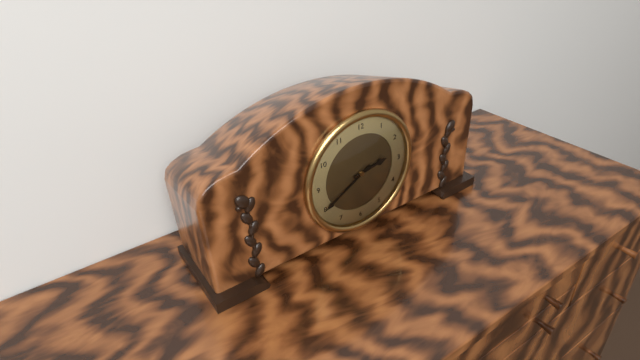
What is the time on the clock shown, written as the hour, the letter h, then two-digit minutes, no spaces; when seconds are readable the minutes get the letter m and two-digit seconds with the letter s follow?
2h40
